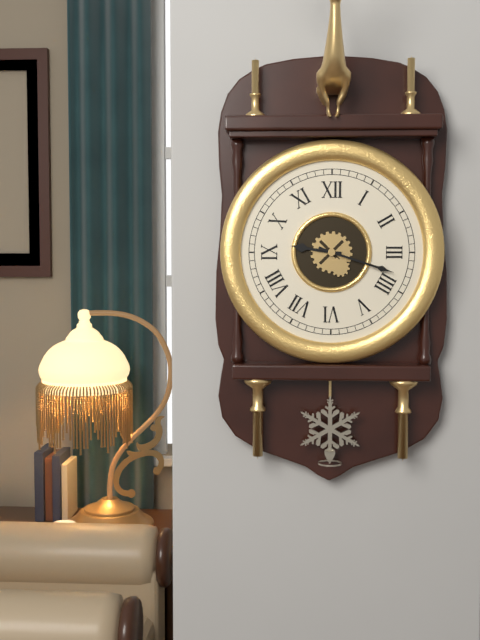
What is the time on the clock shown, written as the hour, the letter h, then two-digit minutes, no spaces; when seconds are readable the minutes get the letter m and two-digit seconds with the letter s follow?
9h18
